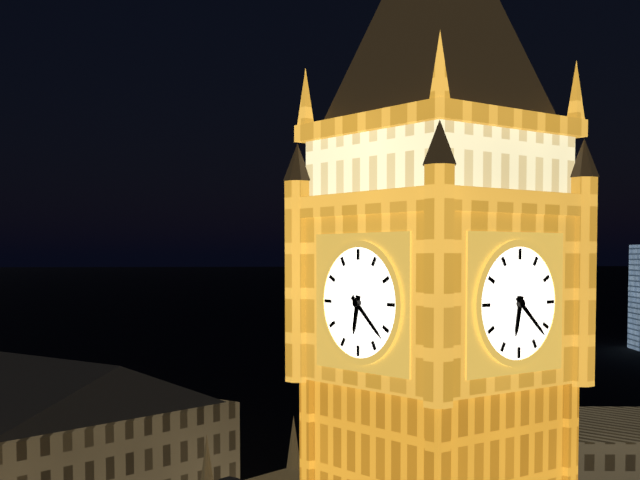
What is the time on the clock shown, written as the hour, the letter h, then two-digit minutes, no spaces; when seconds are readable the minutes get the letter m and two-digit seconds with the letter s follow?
6h22
